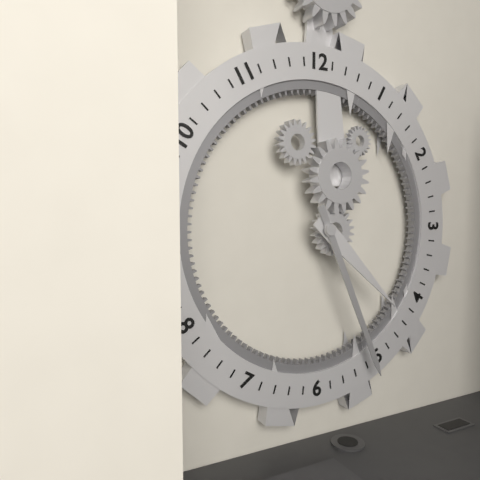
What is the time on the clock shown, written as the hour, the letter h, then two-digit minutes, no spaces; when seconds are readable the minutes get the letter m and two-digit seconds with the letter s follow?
4h26
